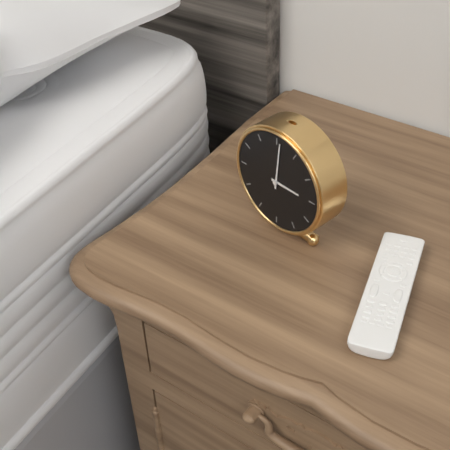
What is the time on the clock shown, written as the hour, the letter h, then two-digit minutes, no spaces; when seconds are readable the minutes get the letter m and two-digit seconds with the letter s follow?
3h01
